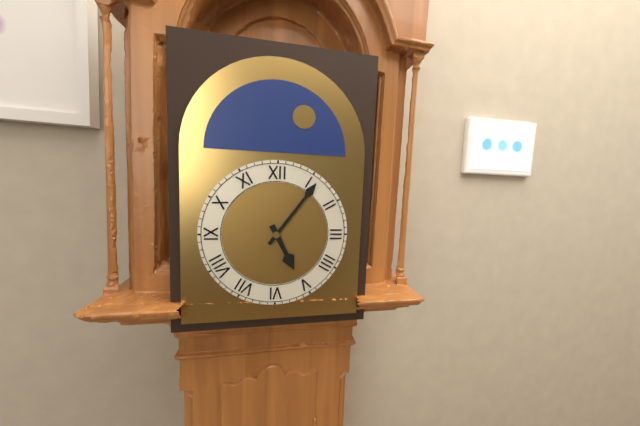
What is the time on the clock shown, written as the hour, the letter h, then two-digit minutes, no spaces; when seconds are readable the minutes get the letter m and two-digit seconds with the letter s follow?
5h06
